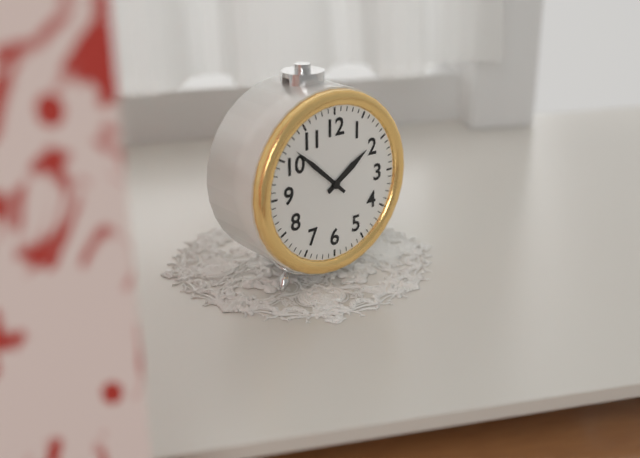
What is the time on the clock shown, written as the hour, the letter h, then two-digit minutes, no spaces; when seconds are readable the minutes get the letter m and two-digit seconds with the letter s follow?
1h52
